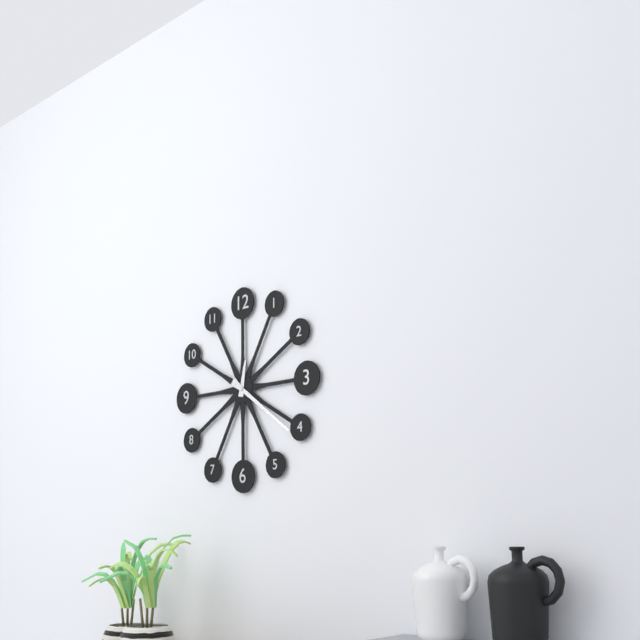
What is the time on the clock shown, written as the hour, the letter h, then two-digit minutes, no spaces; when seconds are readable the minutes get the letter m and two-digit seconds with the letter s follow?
12h21
